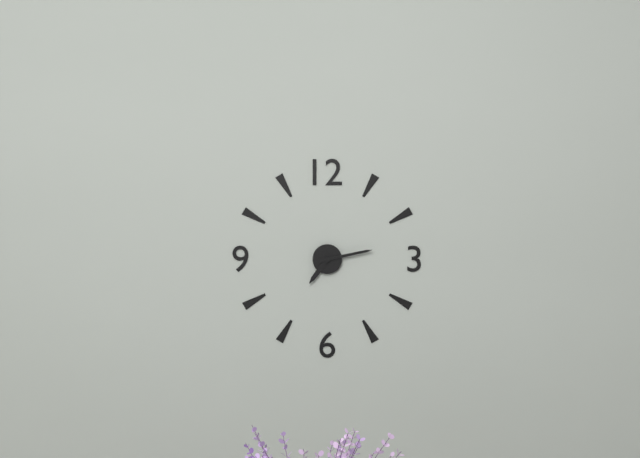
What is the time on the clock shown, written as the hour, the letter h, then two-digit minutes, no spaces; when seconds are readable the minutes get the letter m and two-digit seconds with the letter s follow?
7h13
